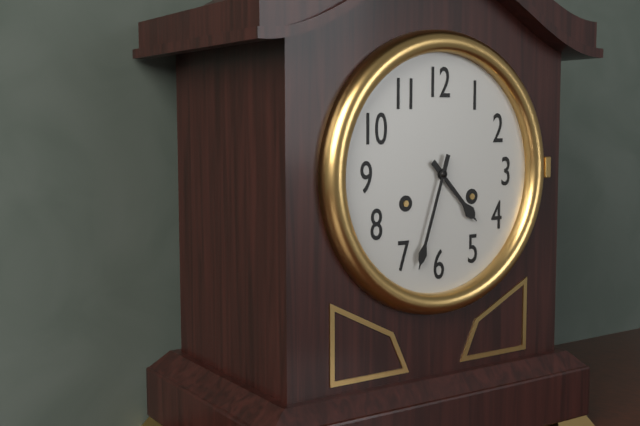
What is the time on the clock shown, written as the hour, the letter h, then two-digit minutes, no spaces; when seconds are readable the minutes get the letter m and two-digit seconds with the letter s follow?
4h33
